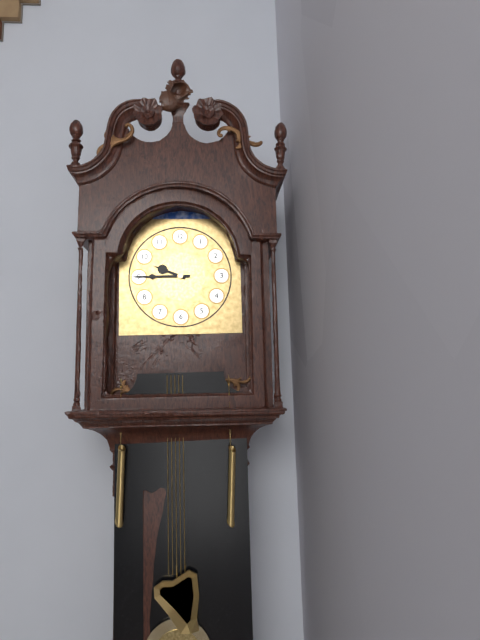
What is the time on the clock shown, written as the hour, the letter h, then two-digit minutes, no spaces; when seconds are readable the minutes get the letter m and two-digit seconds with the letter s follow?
9h45
